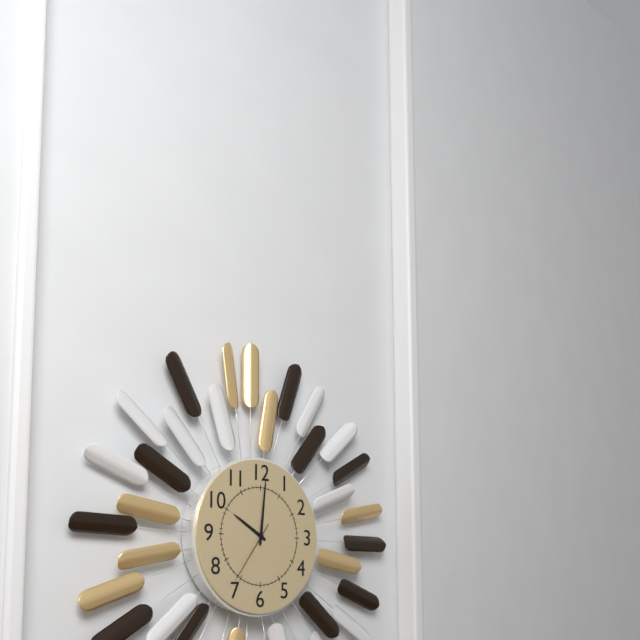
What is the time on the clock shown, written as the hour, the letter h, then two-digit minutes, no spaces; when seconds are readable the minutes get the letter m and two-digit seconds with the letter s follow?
10h01m36s
